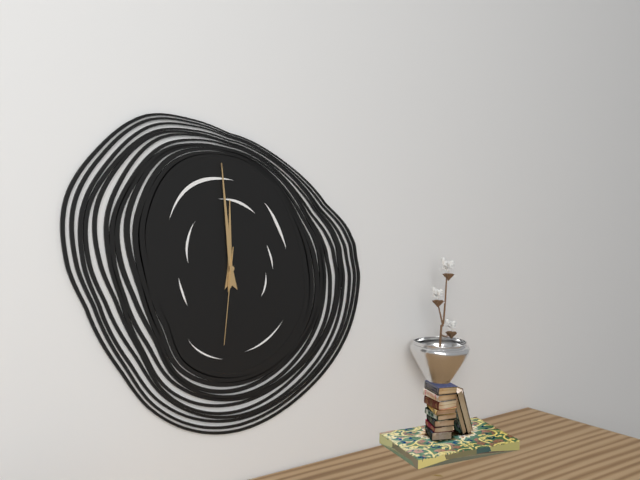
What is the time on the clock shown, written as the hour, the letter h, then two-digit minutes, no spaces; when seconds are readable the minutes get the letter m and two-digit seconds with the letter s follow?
11h59m31s
